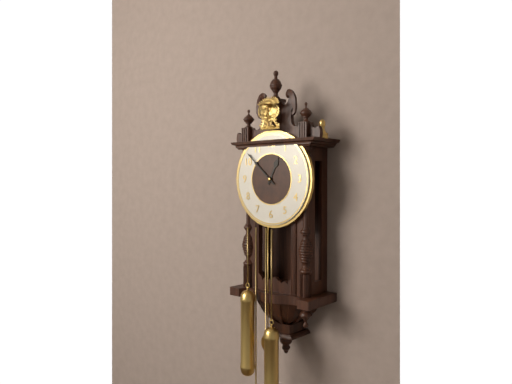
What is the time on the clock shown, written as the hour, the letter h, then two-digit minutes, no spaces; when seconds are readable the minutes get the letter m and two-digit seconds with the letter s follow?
12h52
